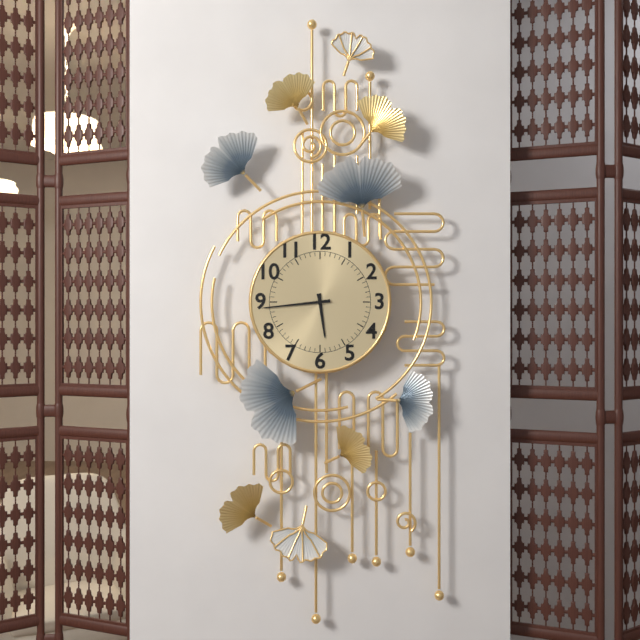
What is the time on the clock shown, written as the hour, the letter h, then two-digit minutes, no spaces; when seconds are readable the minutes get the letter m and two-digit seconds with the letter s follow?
5h44
